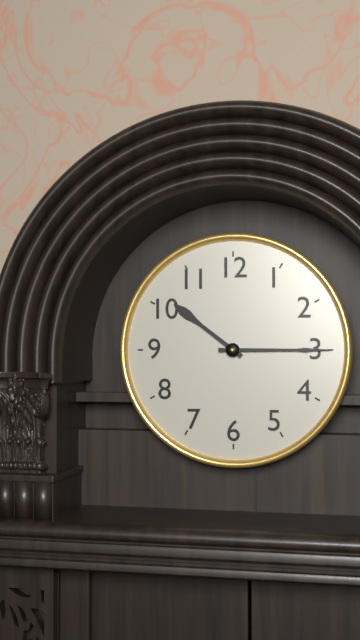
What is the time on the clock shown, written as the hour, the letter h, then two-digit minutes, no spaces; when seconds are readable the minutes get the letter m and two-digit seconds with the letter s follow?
10h15
